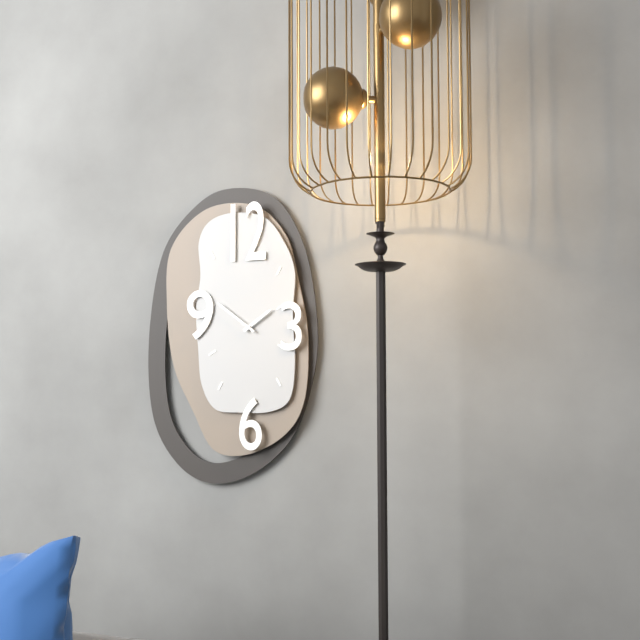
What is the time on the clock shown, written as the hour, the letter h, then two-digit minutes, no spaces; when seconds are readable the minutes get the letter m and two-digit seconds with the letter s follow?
1h51
